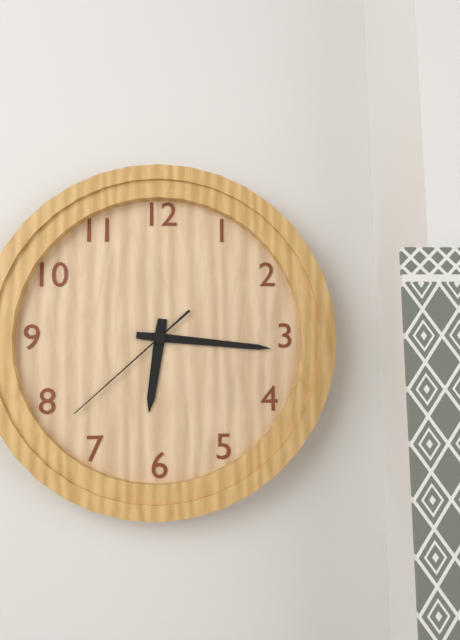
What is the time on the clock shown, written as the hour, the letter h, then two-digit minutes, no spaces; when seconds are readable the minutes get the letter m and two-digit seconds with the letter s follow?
6h16m38s
